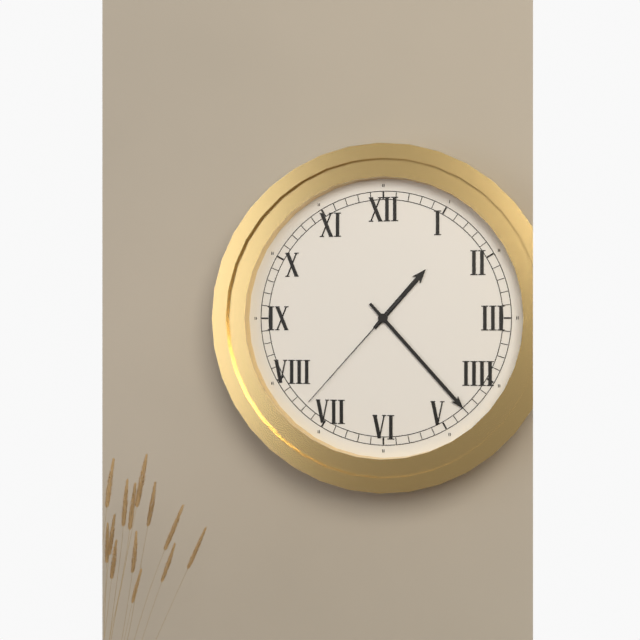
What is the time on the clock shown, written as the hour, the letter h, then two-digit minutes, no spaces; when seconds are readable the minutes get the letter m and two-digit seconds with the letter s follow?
1h23m37s
